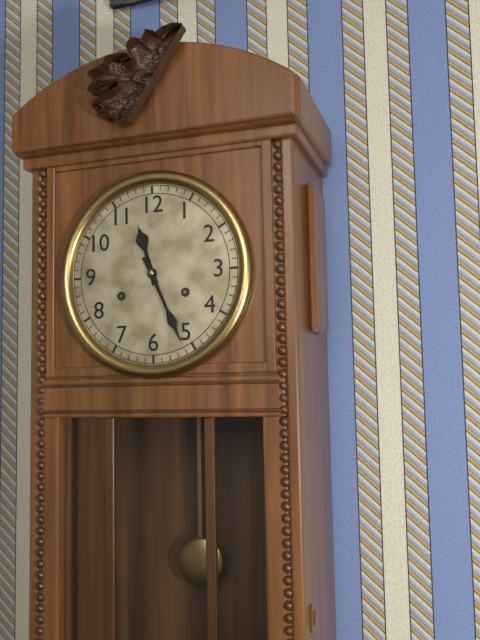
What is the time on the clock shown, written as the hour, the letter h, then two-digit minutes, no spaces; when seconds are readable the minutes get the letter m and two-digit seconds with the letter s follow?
11h26
